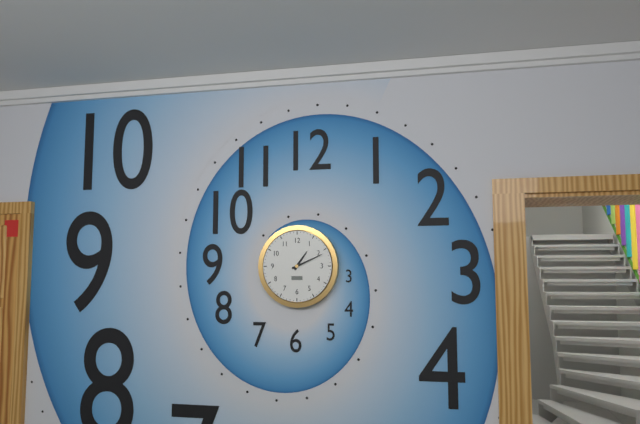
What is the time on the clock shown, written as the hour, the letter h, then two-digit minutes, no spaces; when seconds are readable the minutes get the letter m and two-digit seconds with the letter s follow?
1h11
